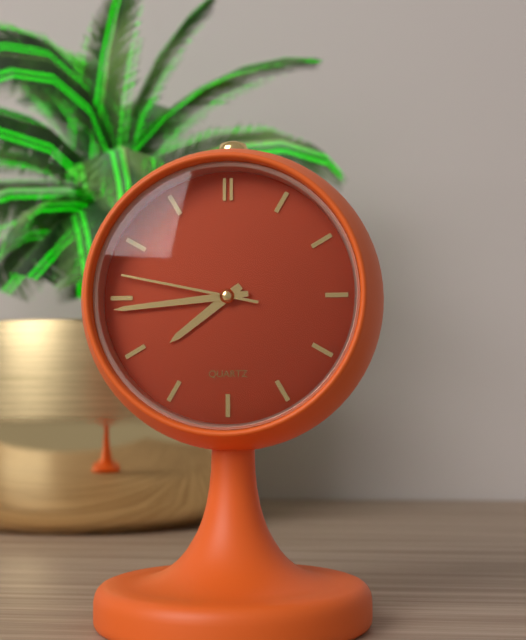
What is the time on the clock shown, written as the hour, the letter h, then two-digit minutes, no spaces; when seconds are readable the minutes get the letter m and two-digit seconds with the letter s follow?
7h44m47s
